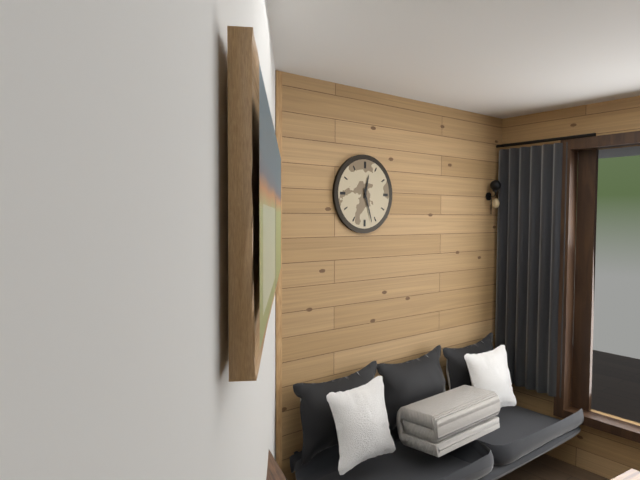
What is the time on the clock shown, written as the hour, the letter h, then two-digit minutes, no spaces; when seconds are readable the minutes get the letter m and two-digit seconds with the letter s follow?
12h27
